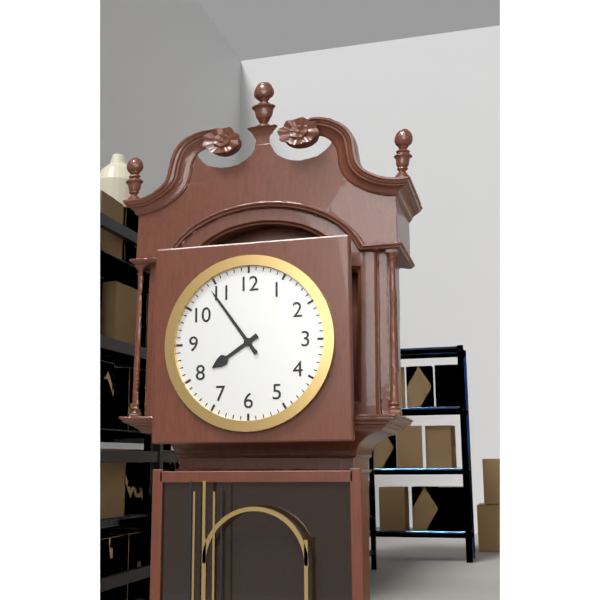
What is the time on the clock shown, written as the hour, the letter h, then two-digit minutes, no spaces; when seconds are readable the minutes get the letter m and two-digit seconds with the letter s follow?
7h54
